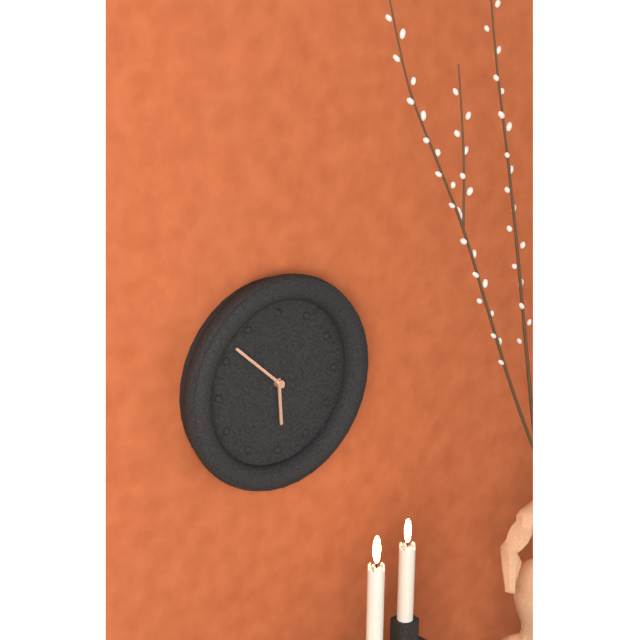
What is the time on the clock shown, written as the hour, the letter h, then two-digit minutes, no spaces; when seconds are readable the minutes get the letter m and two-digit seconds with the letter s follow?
5h52
